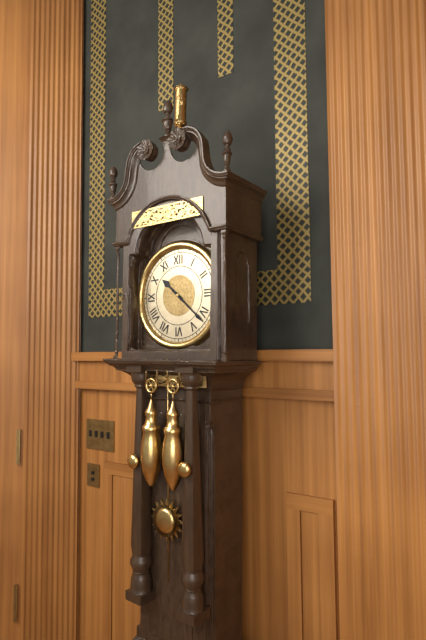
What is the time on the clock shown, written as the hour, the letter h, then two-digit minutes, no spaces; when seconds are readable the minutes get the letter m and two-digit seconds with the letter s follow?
10h22
